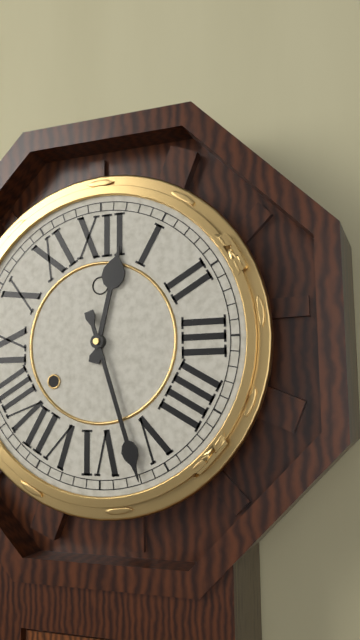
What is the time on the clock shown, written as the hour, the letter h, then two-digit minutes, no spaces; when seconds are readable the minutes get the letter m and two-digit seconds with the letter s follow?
12h27
